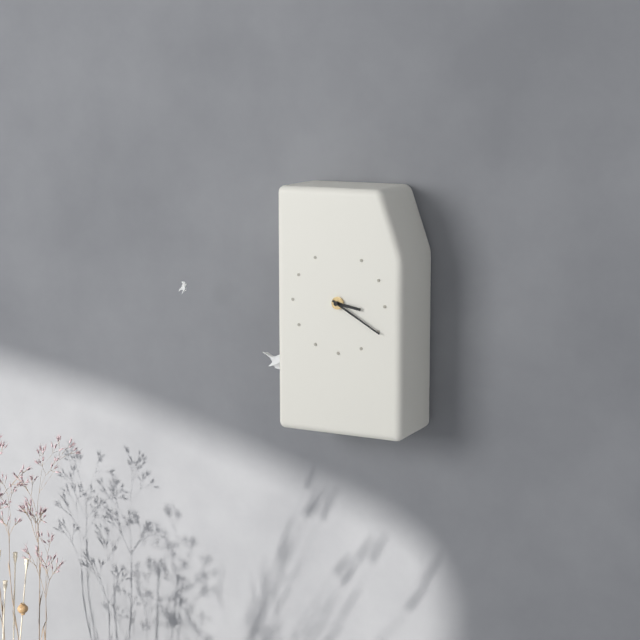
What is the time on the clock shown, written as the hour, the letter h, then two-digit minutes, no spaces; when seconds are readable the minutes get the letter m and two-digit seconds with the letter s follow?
3h20
